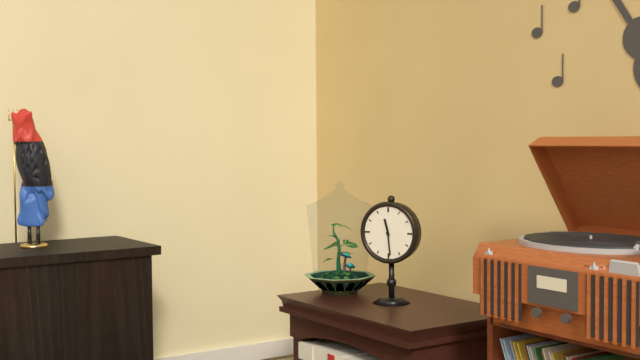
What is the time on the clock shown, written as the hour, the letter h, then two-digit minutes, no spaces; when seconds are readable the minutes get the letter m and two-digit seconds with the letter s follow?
11h29
